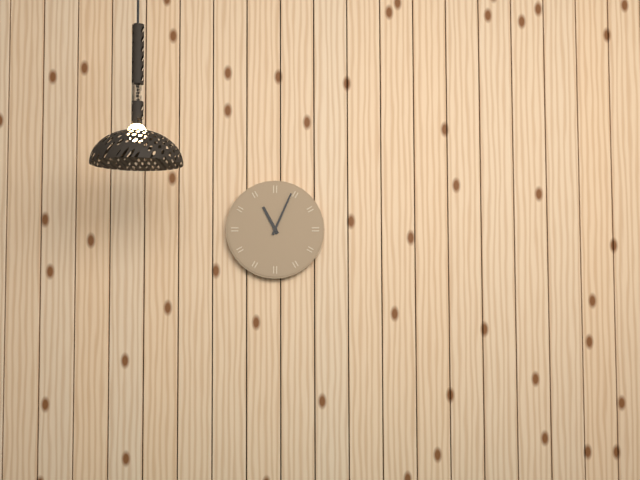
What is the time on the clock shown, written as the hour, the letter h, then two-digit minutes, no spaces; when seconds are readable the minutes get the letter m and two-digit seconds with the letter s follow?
11h04
